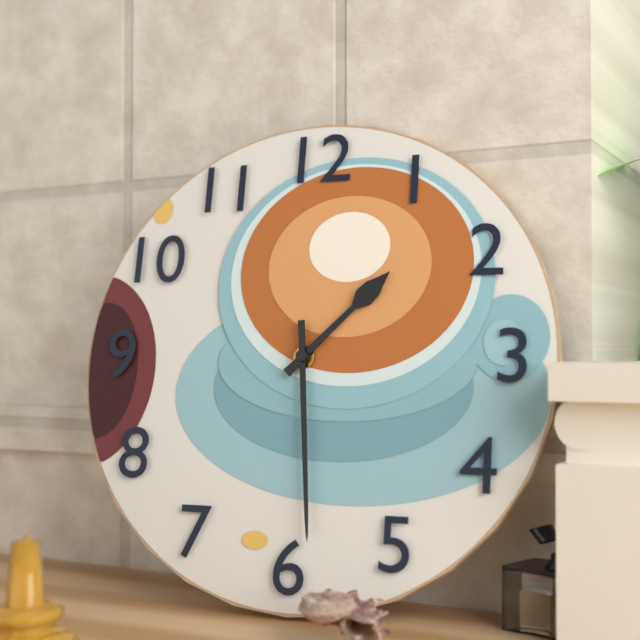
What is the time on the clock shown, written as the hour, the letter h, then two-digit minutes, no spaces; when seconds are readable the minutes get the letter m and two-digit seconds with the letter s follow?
1h29
